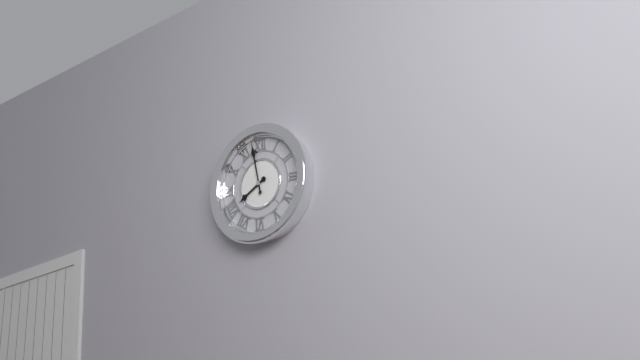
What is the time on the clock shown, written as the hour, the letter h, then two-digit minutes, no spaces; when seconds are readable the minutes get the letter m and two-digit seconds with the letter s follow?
7h58
